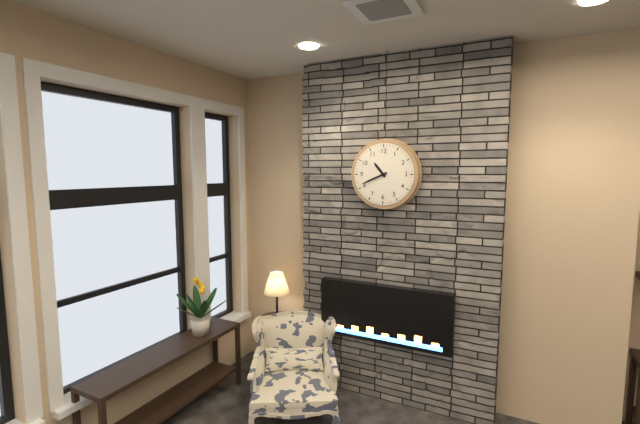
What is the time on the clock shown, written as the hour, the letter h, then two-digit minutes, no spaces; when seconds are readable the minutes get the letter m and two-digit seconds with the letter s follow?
10h41
